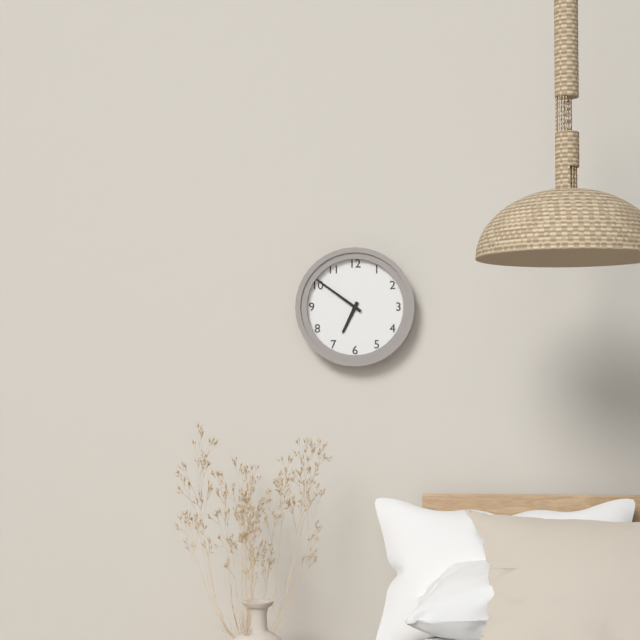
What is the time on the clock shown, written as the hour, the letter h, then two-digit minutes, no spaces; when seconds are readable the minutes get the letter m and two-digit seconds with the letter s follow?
6h51
